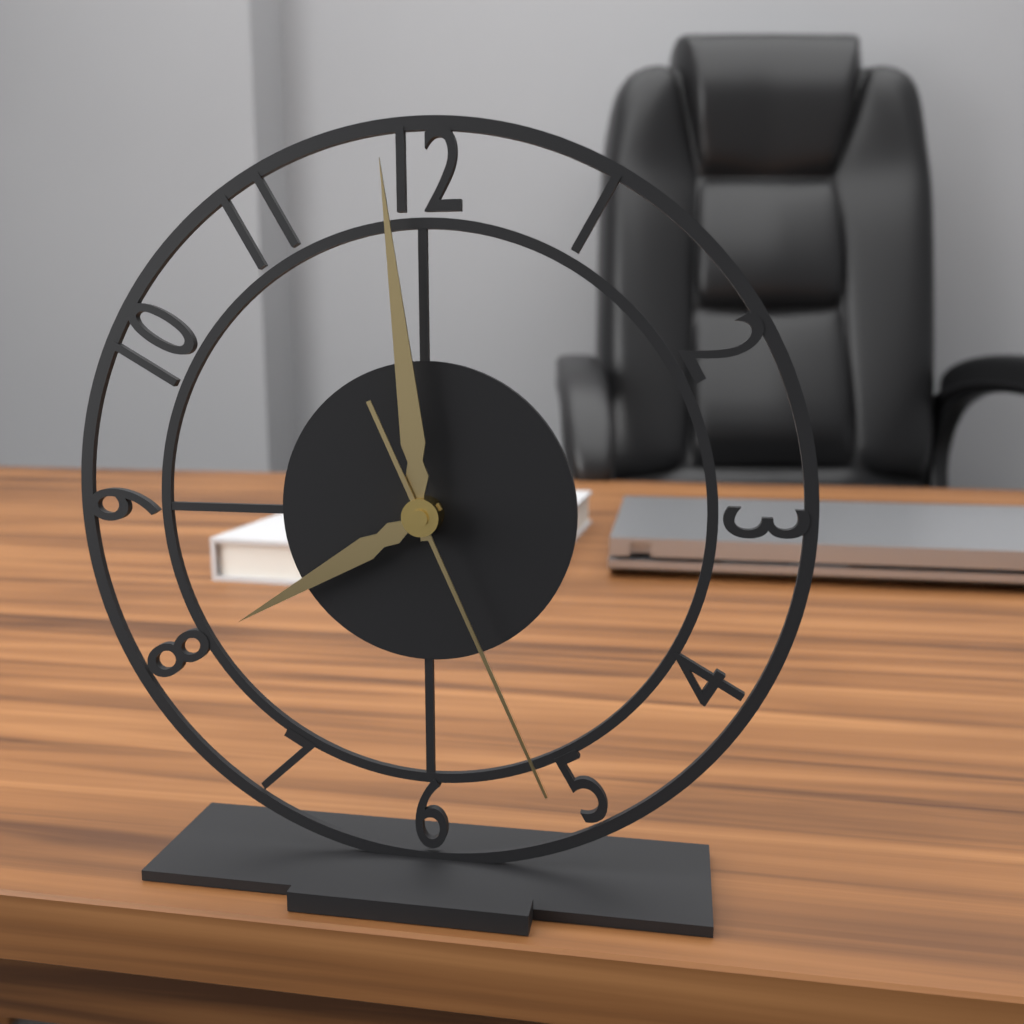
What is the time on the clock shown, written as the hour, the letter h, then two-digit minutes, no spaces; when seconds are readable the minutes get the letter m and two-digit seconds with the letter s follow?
7h59m26s
